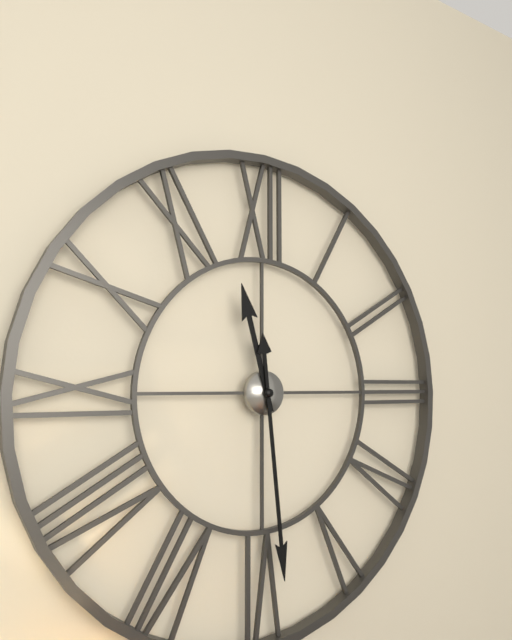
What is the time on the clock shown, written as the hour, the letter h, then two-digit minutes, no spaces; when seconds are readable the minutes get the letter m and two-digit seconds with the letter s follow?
11h29
